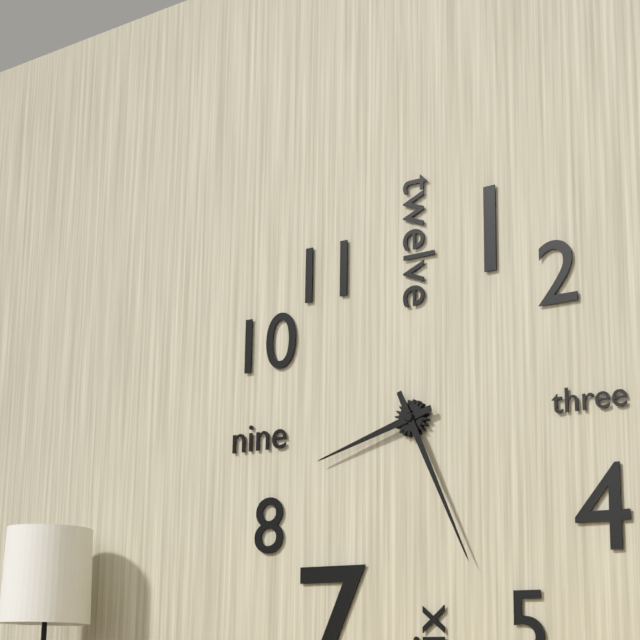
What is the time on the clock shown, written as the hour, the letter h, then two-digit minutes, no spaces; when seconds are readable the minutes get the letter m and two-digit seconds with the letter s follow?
8h26
